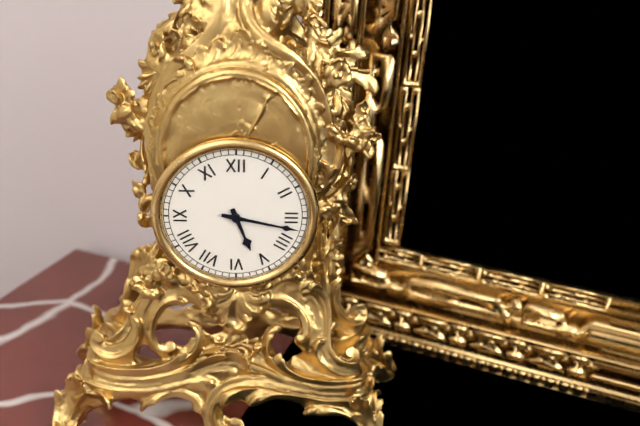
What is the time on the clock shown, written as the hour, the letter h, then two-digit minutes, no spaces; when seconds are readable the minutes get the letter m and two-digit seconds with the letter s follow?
5h17
